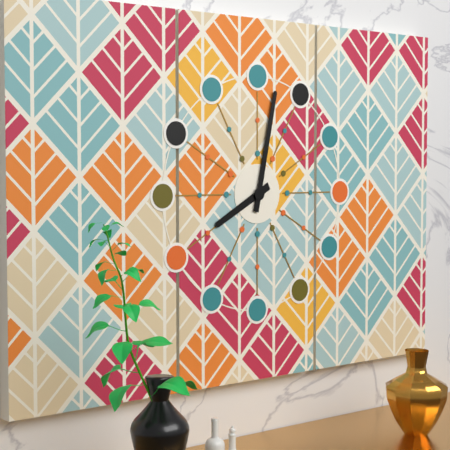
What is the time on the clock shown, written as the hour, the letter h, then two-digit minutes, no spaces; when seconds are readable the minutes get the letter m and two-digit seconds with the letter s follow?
8h02
